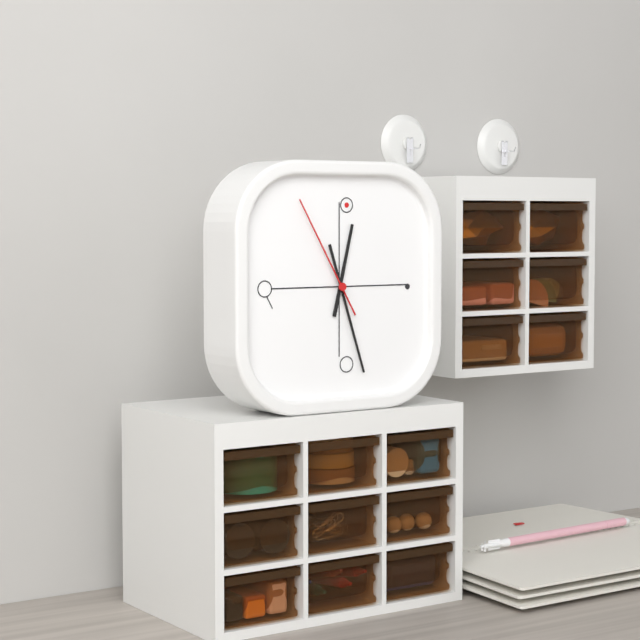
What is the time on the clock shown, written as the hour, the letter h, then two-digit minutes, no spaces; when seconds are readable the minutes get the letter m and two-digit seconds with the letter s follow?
12h27m55s
